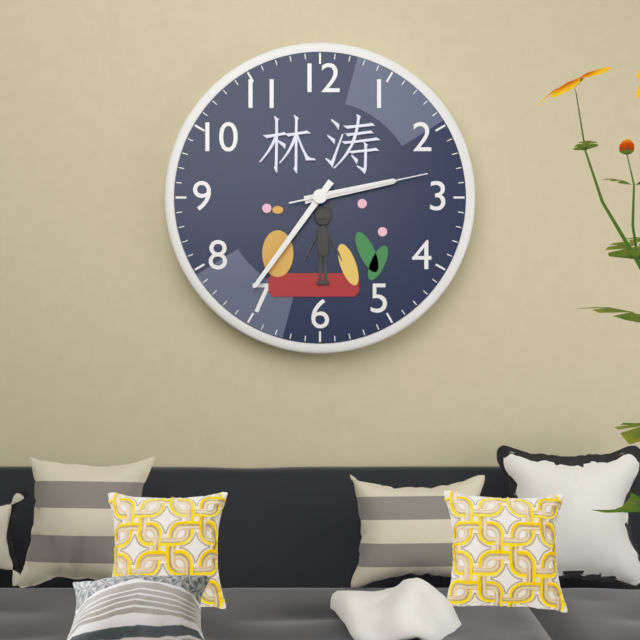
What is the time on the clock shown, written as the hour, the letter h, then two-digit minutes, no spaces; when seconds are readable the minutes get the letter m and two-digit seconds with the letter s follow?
2h36m13s
